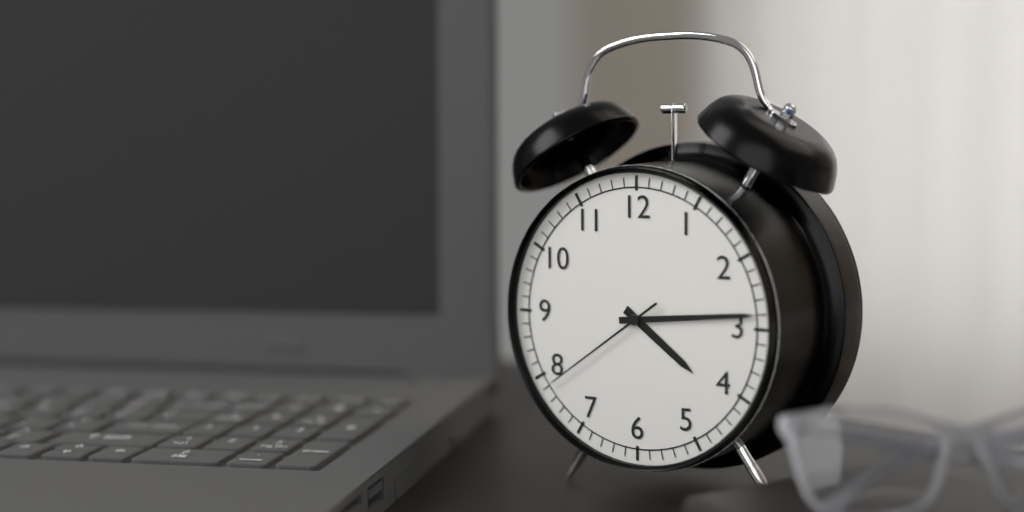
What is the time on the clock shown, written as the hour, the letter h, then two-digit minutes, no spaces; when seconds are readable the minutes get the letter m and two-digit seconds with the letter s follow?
4h14m39s
